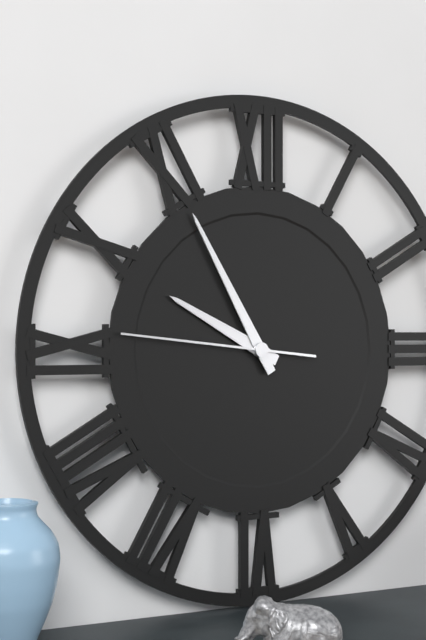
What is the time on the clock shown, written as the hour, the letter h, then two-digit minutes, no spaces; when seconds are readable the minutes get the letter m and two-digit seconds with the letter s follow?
9h55m46s
